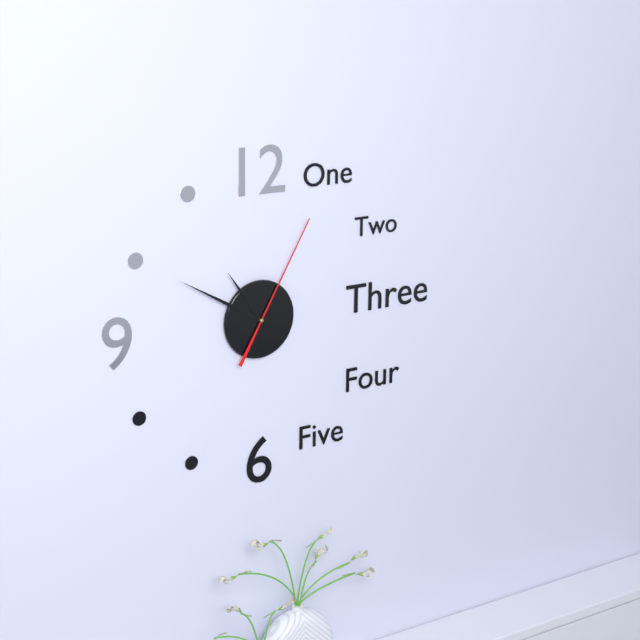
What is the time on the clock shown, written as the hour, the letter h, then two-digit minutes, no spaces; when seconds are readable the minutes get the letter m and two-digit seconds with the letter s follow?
10h50m05s
